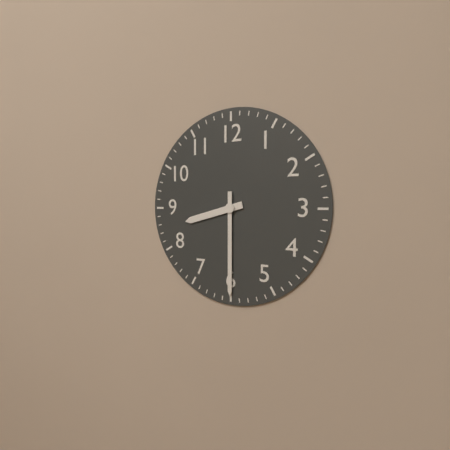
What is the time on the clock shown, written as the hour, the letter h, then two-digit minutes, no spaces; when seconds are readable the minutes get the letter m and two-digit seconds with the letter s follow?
8h30
